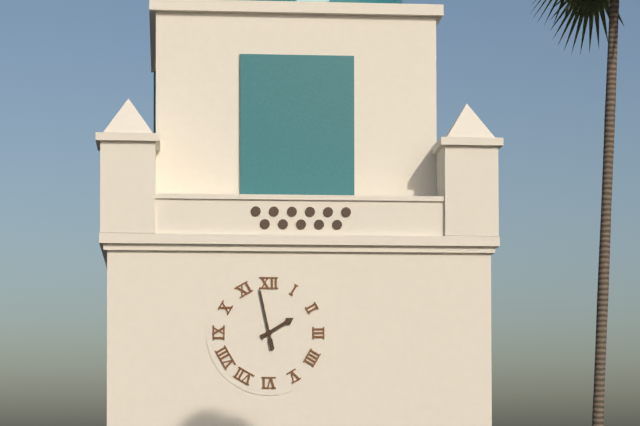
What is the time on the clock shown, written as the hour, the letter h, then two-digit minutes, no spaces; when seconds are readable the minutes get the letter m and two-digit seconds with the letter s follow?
1h58
